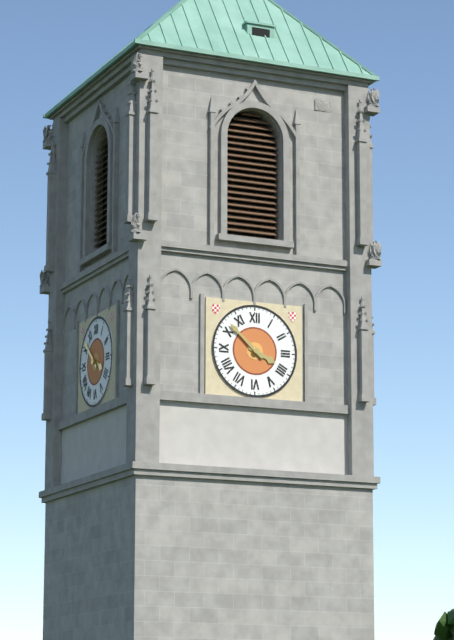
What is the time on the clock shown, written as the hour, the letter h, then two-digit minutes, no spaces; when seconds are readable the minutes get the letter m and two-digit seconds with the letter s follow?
3h52
